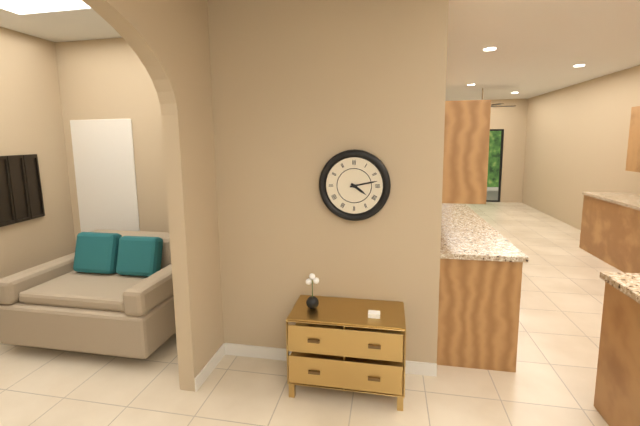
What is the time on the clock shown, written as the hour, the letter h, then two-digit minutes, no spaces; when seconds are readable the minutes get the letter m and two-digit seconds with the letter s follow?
4h13
